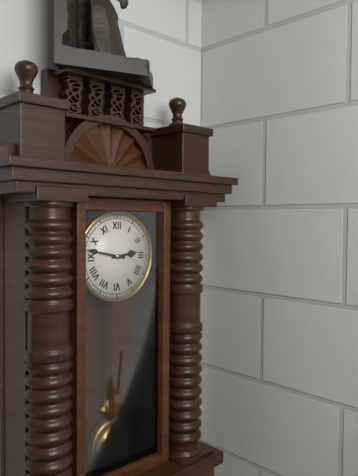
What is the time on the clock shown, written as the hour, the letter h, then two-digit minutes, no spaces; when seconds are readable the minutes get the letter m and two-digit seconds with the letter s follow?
2h47
